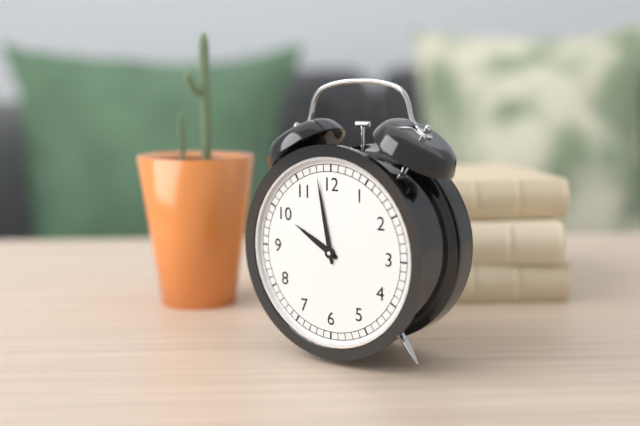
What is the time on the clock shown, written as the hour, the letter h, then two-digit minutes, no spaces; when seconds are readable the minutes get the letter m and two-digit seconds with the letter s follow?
9h58
